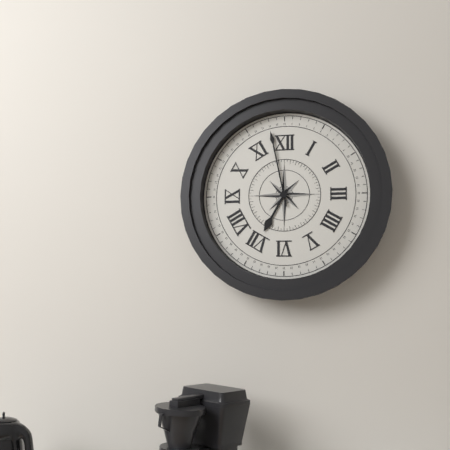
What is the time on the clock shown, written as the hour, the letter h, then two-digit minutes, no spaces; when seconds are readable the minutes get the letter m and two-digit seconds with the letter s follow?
6h58
